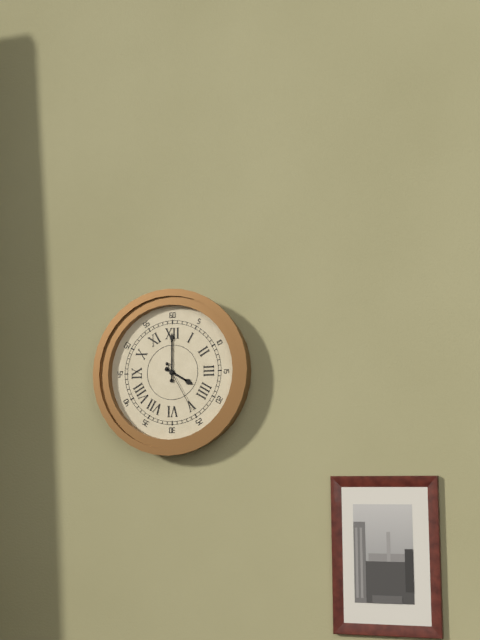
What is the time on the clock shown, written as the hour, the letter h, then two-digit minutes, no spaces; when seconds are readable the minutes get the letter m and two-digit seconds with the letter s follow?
4h00m25s
